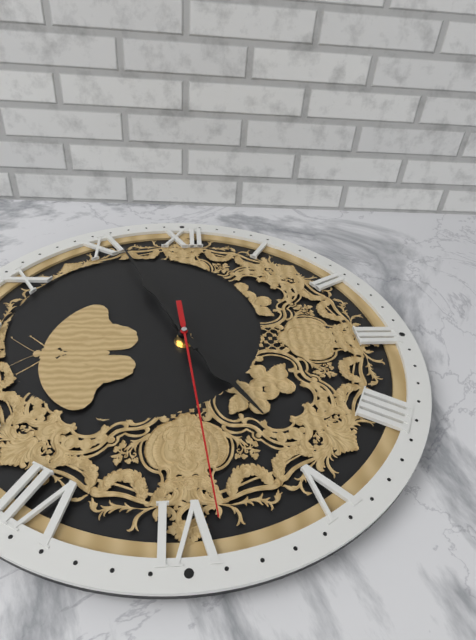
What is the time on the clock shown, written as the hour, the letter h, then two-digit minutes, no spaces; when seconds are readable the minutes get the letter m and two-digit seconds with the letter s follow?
4h56m29s
